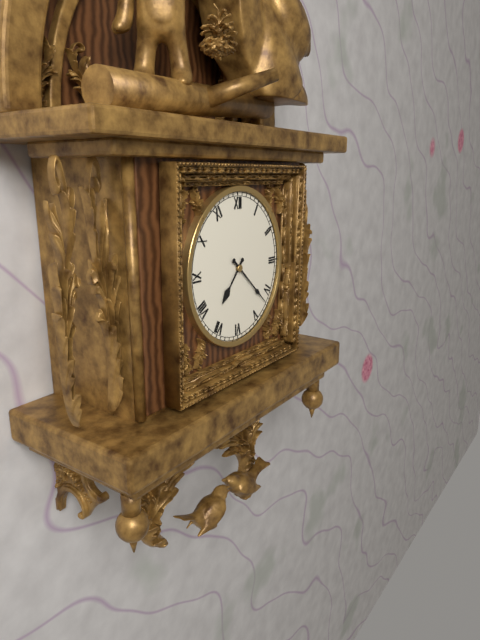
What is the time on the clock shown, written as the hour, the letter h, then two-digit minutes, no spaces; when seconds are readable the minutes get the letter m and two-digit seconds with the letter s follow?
7h22
